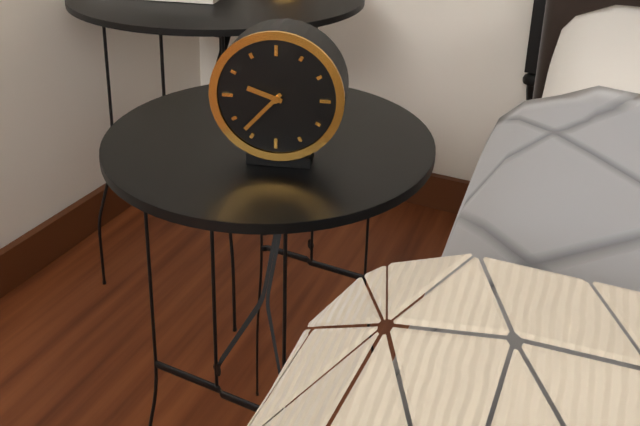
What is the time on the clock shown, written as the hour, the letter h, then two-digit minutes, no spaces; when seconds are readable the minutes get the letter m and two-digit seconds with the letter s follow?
9h37
